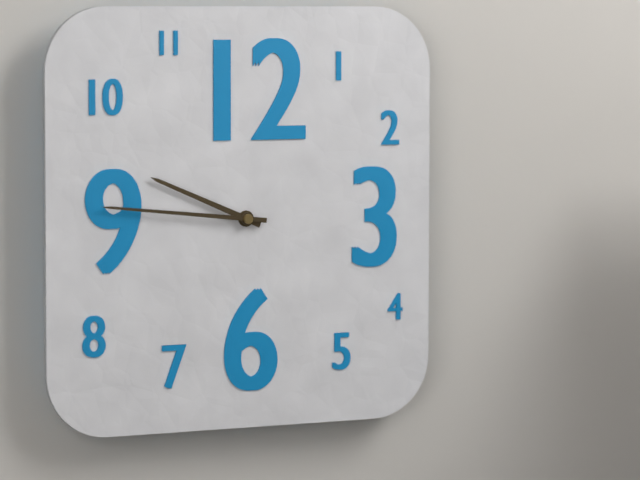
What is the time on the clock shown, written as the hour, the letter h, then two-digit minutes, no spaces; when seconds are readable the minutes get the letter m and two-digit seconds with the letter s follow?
9h46
